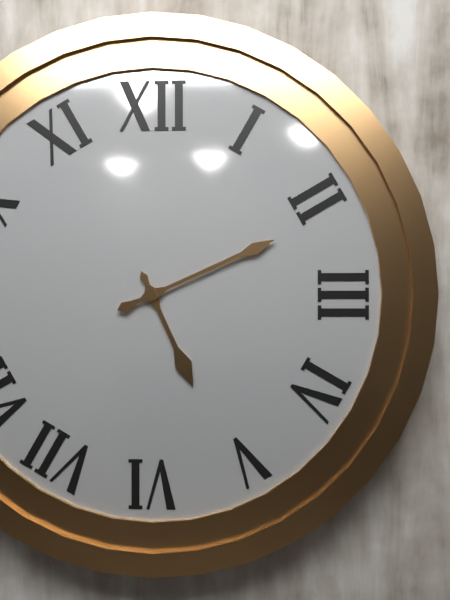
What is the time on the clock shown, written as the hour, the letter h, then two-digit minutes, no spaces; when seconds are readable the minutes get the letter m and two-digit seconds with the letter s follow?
5h11
